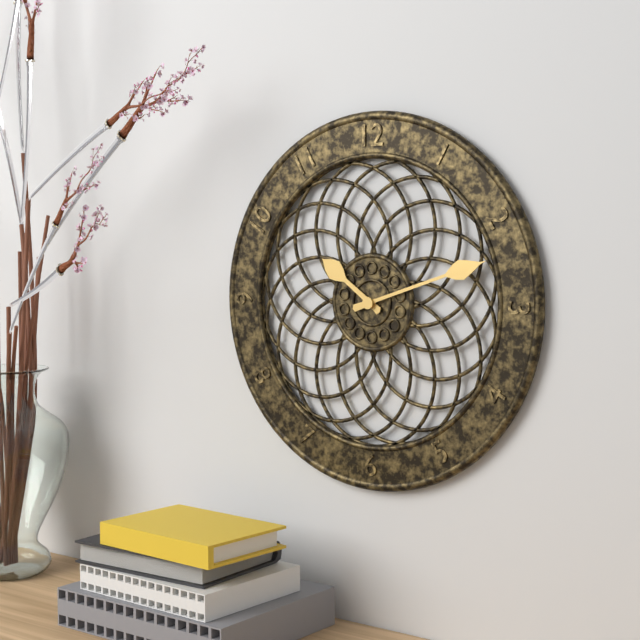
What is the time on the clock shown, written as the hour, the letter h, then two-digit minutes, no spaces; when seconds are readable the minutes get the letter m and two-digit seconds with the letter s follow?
10h12
